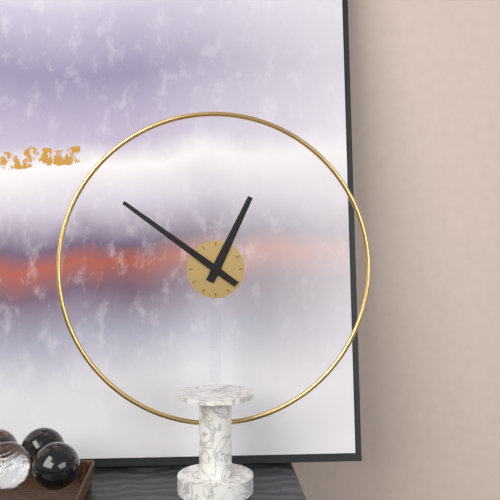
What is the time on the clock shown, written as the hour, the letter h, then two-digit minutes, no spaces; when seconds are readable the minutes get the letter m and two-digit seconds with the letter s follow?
12h51
